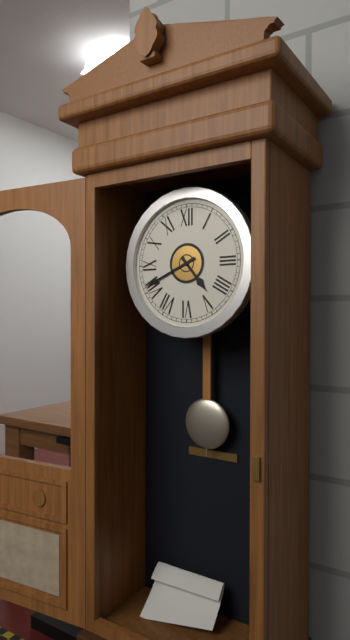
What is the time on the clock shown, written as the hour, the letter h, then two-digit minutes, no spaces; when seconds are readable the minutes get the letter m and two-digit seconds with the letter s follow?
4h41
